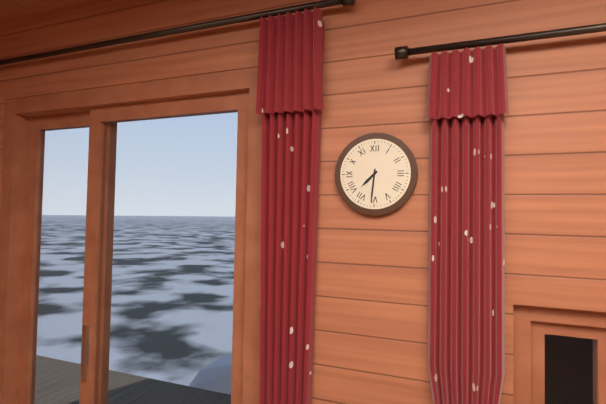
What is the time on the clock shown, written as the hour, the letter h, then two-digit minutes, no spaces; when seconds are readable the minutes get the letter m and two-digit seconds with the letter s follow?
7h31
